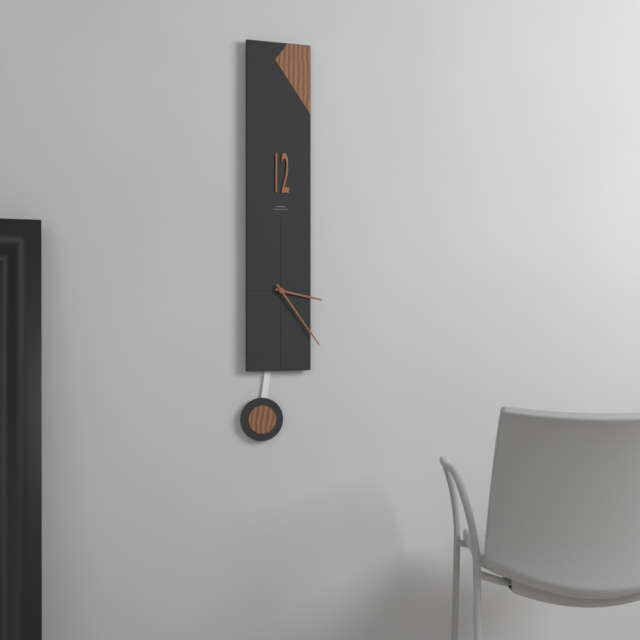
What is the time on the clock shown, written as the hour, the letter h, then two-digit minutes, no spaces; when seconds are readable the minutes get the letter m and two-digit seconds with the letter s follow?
3h24
